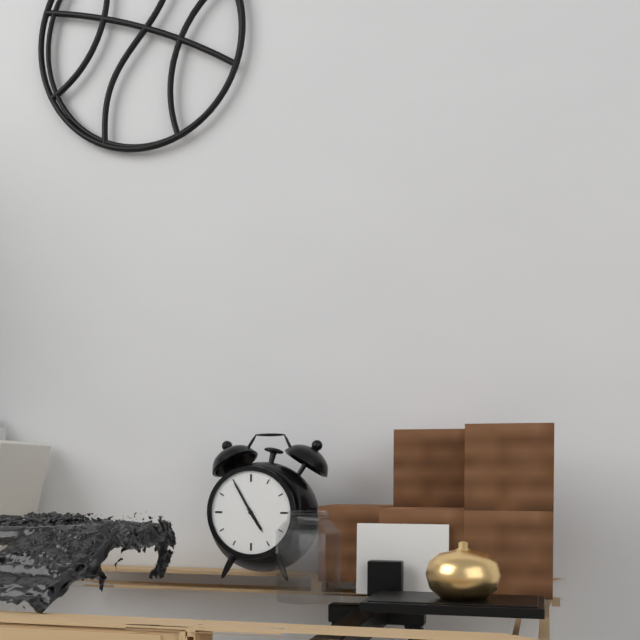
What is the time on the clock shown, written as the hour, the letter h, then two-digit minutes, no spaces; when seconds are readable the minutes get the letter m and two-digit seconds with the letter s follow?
4h55
